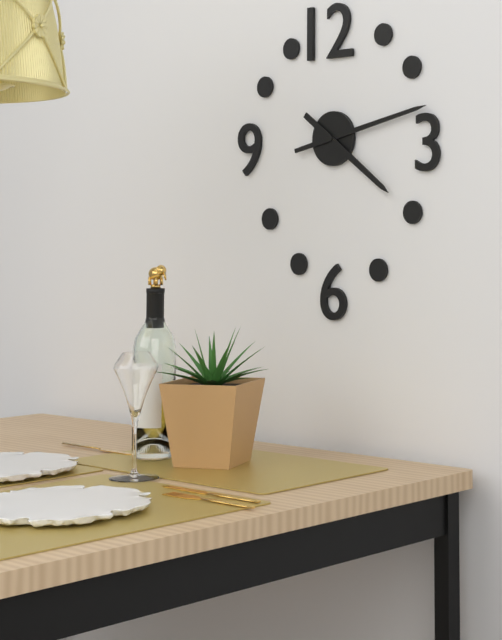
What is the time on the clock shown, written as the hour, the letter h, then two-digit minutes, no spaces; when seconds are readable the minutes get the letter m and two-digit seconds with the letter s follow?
4h13
